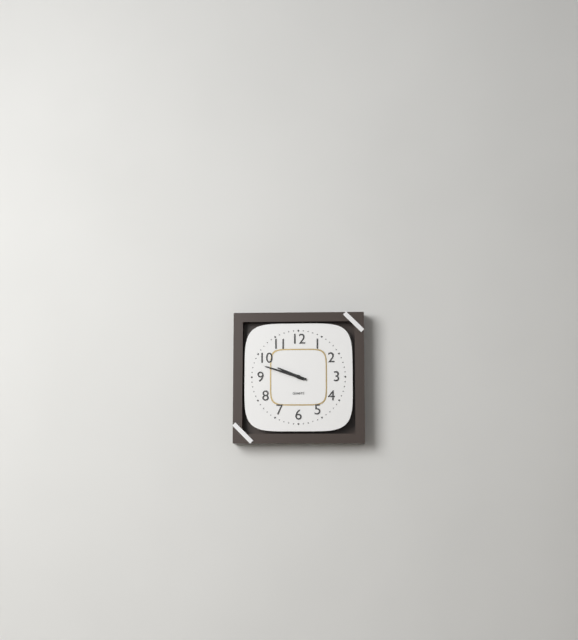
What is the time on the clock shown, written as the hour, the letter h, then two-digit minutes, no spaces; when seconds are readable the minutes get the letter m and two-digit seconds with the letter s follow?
9h48
